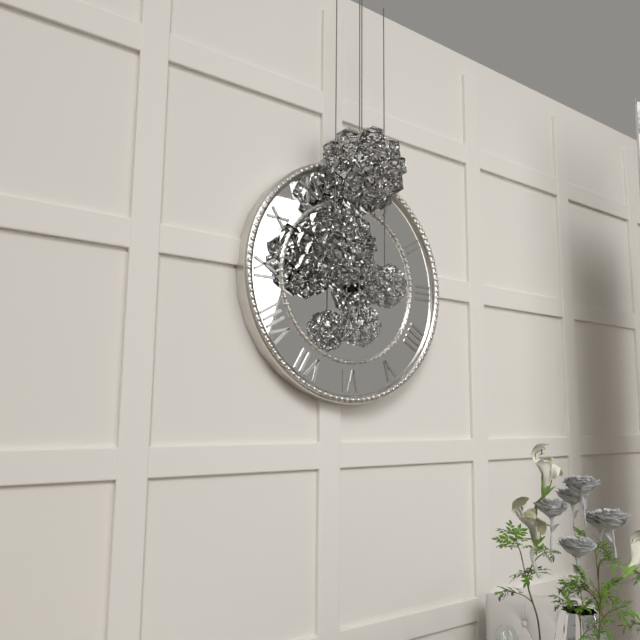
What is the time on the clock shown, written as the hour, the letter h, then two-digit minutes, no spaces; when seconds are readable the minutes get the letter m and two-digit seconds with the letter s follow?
11h50
